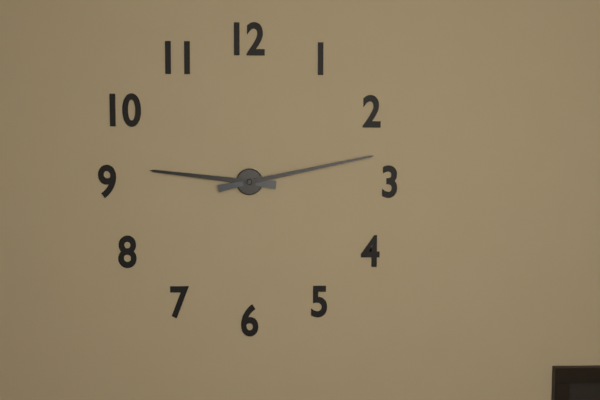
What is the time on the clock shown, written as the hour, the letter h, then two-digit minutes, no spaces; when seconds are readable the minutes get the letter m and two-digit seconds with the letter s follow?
9h13
